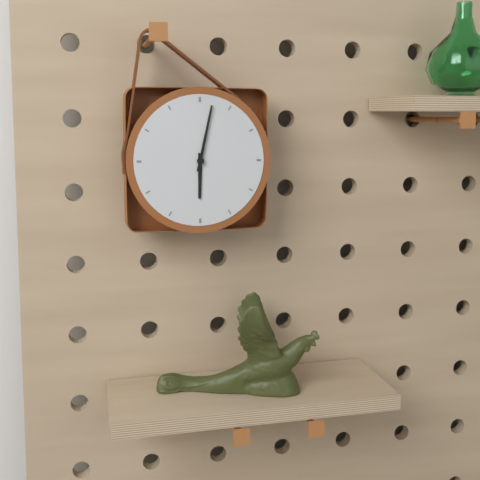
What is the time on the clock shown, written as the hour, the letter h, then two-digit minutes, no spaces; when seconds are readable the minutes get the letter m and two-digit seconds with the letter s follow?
6h02
